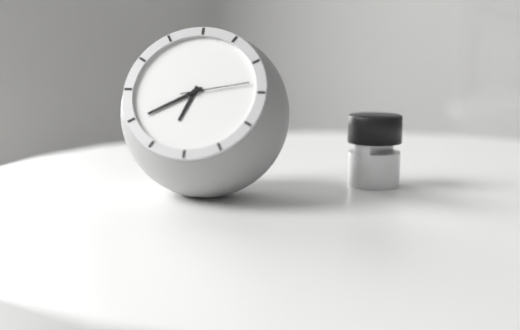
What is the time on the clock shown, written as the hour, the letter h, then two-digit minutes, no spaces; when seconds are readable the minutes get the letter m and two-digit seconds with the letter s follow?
6h40m13s
